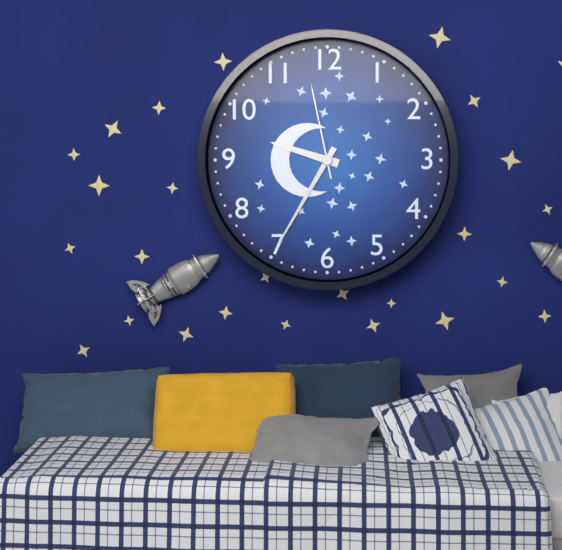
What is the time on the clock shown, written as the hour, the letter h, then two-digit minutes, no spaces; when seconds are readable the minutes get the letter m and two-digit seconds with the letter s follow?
9h35m58s
